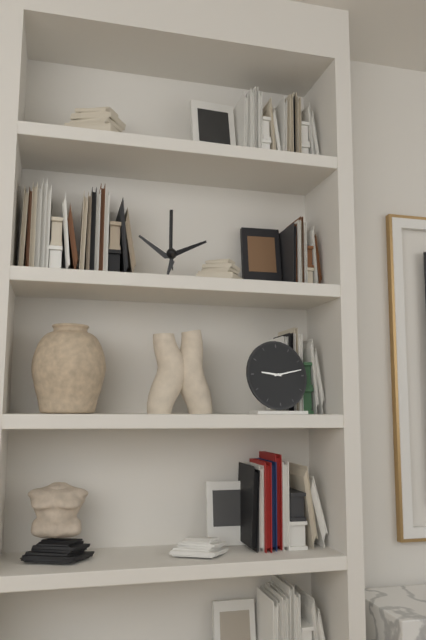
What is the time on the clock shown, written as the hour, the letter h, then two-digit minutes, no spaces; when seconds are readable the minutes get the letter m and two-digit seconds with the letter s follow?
9h13
